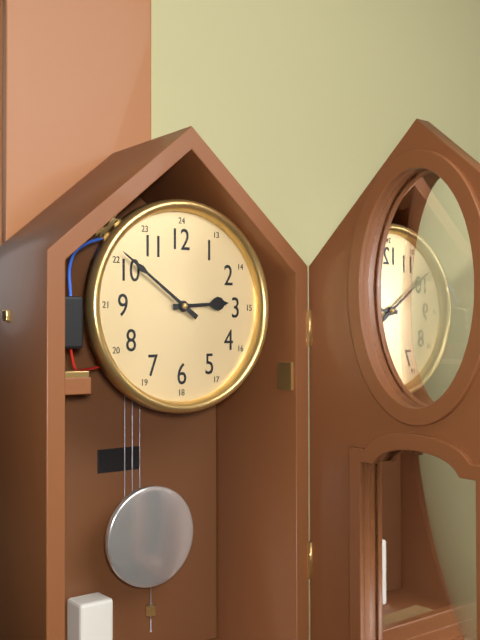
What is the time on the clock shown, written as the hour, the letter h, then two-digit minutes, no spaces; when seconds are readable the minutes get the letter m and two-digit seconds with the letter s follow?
2h51
